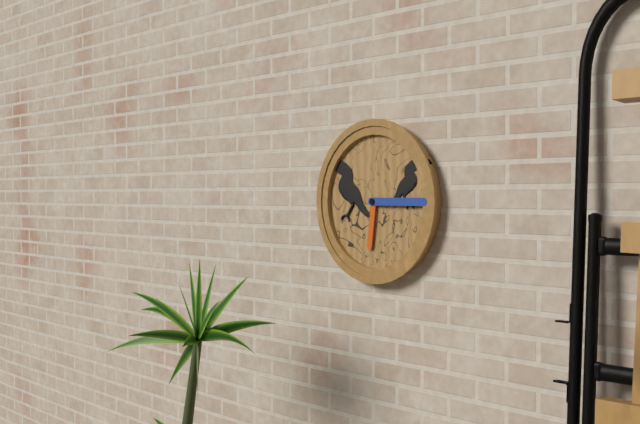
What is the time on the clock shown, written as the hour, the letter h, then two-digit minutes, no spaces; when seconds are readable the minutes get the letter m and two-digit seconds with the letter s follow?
6h15
